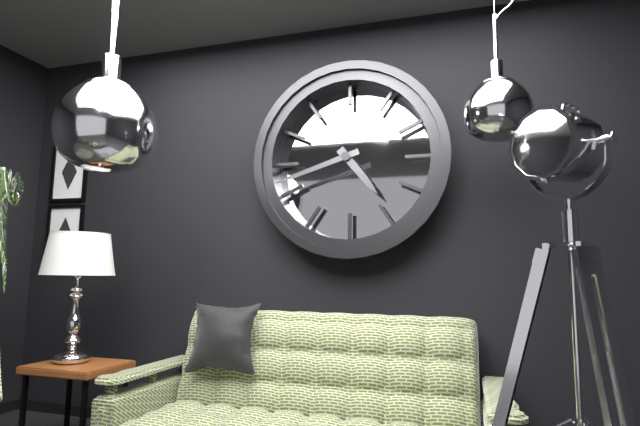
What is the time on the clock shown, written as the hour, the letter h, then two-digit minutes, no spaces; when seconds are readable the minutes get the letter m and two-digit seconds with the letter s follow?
4h42
